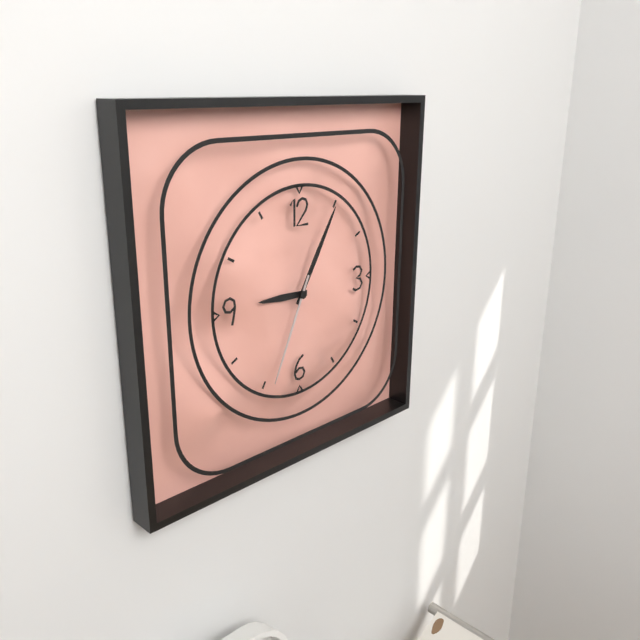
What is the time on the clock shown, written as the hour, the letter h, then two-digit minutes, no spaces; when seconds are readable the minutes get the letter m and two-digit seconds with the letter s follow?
9h05m34s
